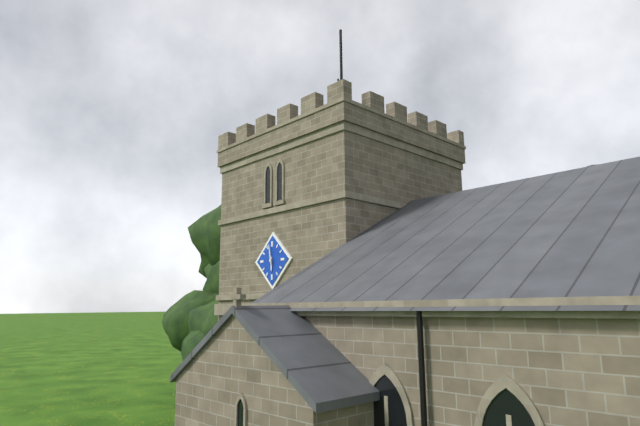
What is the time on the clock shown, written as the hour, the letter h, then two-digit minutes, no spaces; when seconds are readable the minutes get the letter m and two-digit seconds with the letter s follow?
5h58
